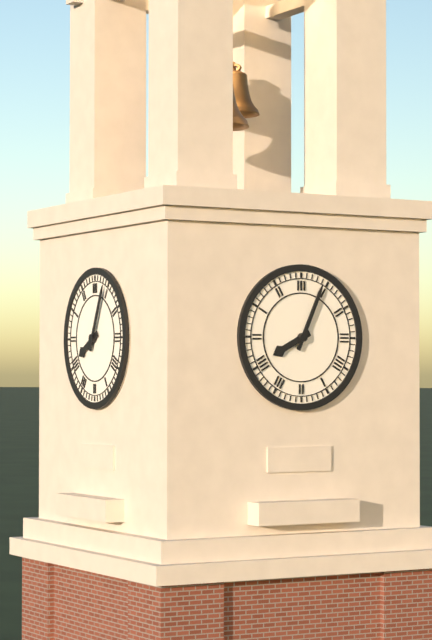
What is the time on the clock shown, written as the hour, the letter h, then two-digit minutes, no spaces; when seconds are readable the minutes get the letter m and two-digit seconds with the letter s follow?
8h04
